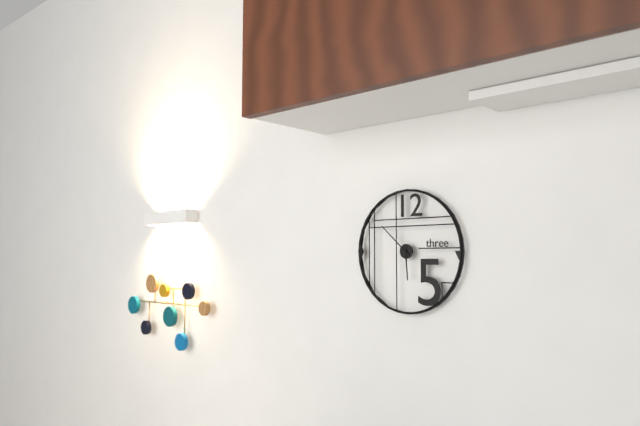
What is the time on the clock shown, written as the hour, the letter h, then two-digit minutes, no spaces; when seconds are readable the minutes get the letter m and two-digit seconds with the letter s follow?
5h52
